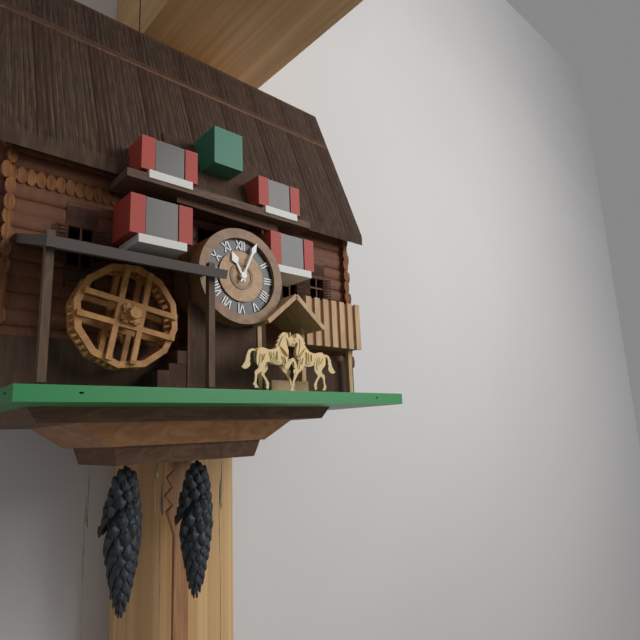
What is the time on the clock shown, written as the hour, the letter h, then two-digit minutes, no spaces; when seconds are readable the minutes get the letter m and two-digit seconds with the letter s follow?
11h04
